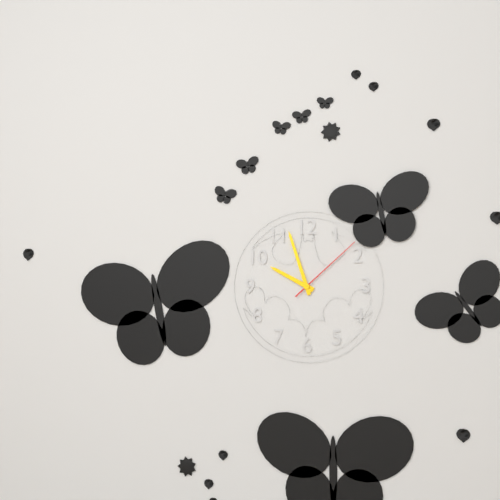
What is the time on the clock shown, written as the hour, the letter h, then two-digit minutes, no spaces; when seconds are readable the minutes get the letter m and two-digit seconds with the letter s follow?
9h57m08s
